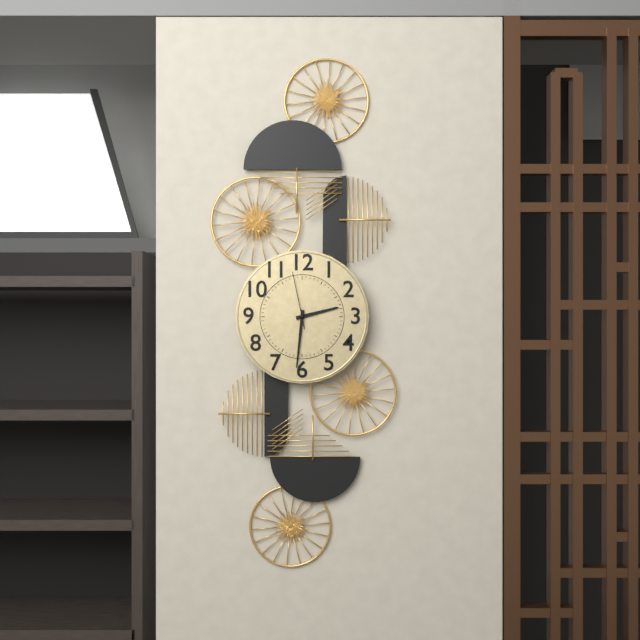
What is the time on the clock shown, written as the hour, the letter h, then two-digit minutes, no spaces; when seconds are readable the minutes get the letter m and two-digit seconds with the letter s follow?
2h31m58s
